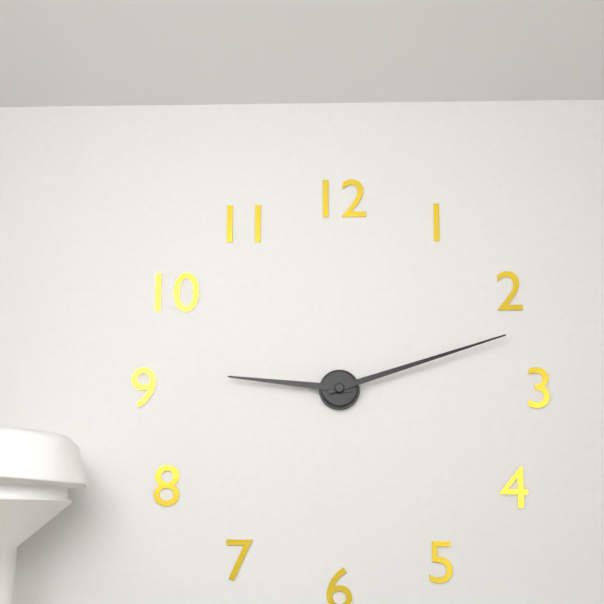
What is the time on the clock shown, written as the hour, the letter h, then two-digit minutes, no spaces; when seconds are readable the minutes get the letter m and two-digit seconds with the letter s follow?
9h12
